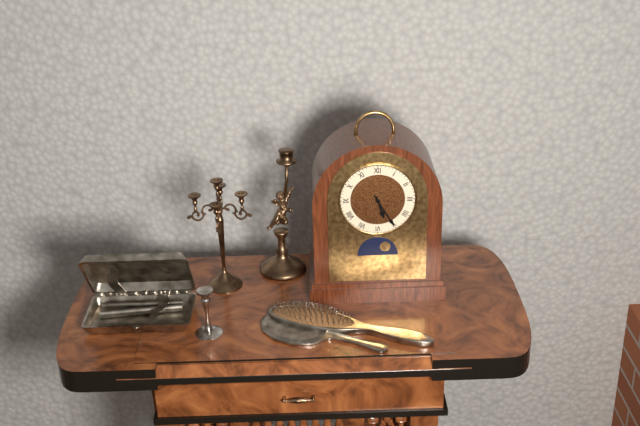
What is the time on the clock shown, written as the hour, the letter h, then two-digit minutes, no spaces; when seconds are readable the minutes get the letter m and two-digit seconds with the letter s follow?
5h25
